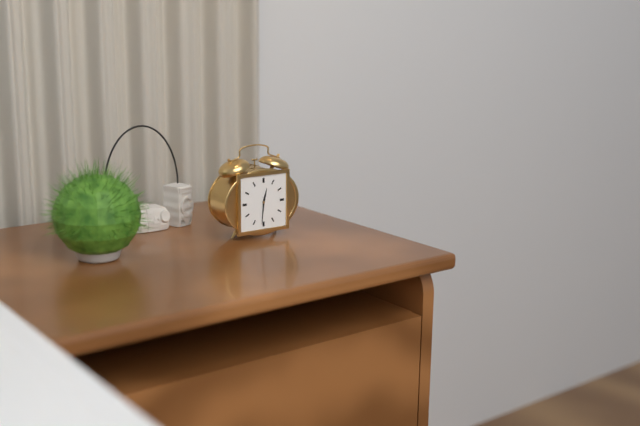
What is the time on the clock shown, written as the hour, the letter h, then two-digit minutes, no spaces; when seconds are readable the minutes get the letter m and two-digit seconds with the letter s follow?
12h31
